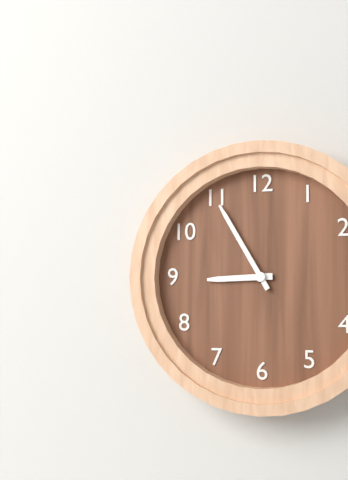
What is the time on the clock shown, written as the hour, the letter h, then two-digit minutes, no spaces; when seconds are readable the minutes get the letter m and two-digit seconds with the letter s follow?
8h55
